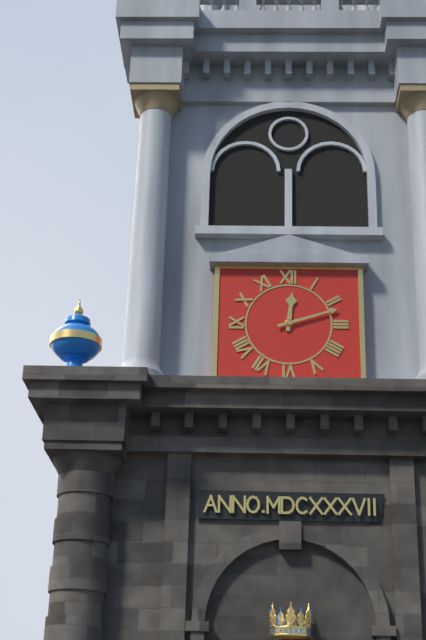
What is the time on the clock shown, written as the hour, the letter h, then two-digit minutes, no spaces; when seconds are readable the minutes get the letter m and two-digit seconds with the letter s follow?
12h12
